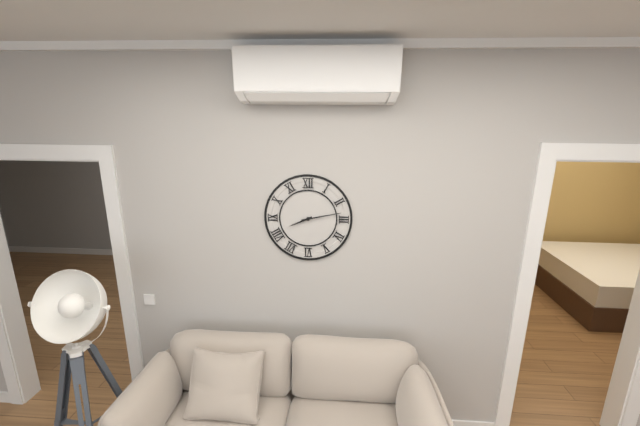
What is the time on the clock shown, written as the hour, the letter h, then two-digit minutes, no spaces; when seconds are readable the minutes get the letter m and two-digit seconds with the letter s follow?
8h13
